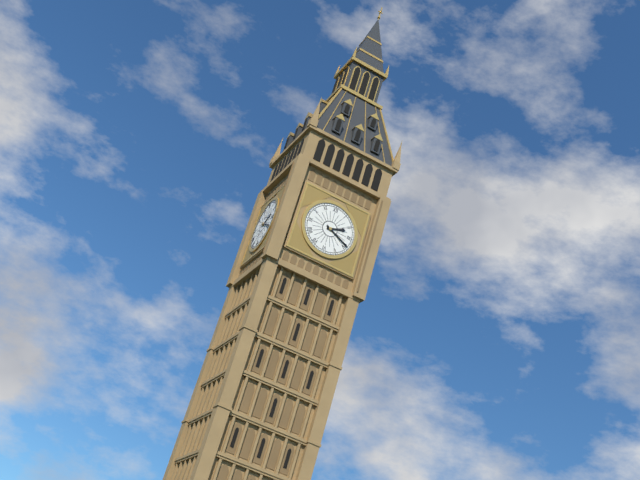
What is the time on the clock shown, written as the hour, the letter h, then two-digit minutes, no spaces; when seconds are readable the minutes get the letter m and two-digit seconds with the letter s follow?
2h19
